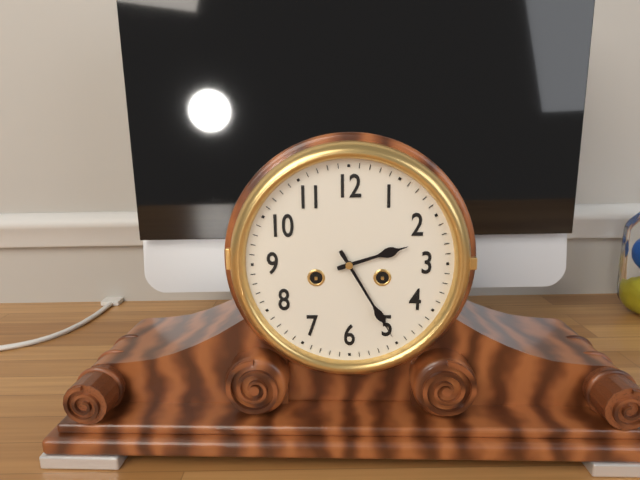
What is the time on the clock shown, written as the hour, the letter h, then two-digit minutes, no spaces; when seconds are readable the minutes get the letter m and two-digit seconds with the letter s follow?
2h25
